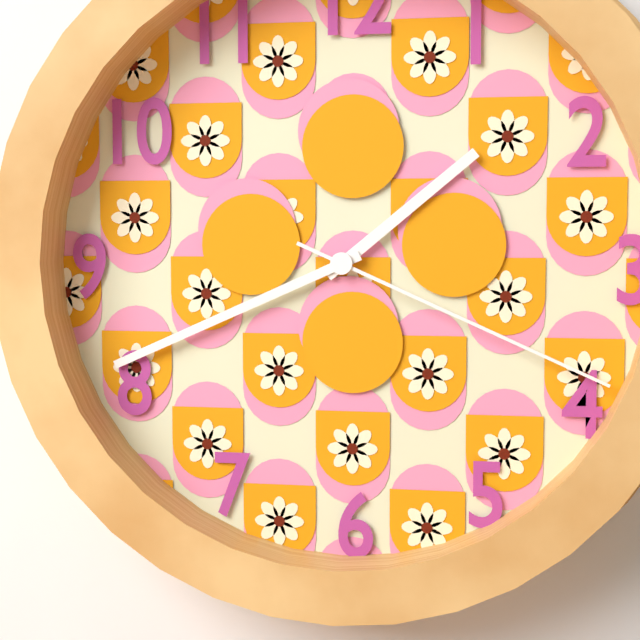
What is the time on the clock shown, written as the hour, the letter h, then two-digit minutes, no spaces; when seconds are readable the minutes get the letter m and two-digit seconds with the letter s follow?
1h41m19s
